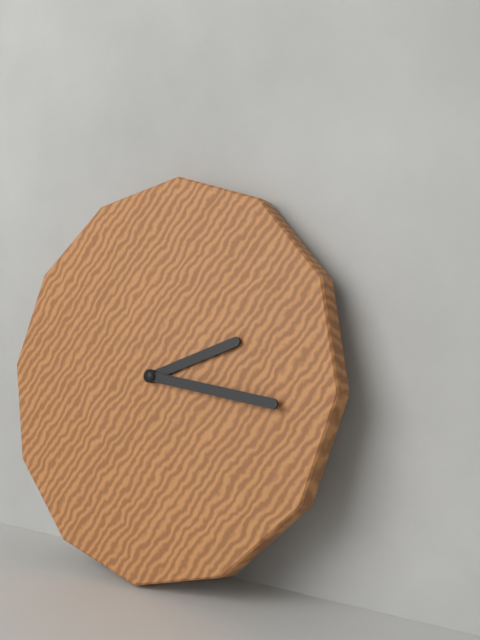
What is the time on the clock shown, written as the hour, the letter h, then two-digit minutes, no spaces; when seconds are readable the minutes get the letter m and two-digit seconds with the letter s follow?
2h16
